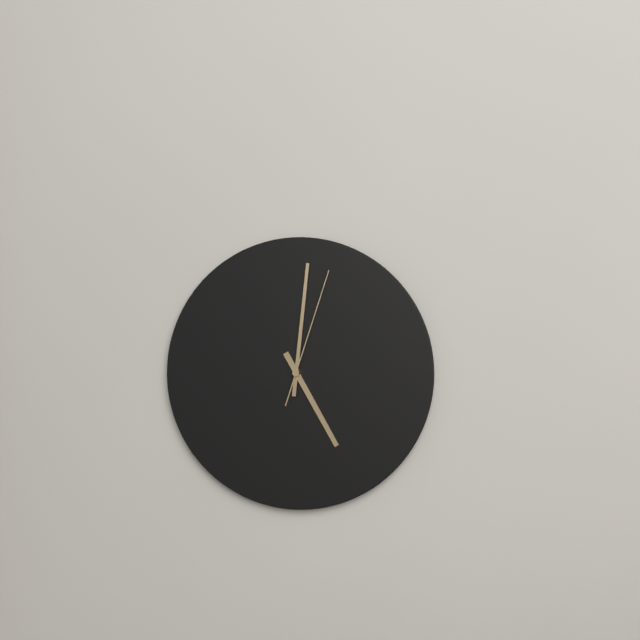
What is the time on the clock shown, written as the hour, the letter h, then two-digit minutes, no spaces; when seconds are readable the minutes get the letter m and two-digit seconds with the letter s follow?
5h01m03s
